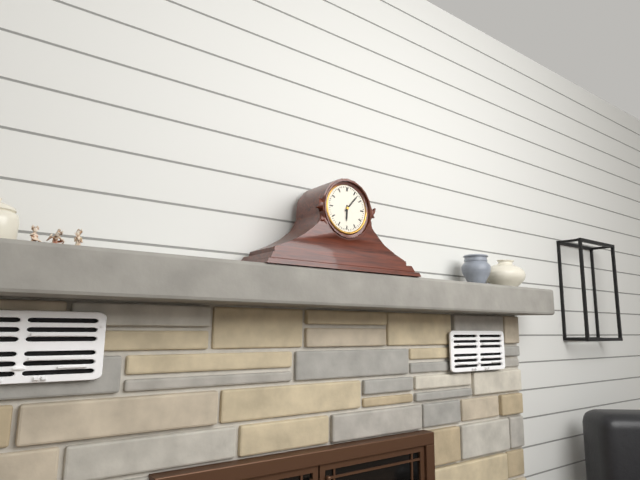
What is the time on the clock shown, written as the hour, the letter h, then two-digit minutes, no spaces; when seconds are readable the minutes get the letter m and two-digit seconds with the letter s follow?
6h07
